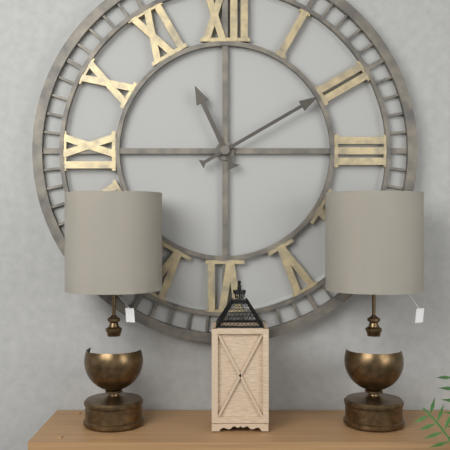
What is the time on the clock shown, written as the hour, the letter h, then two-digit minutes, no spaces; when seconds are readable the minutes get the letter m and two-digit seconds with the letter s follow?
11h10
